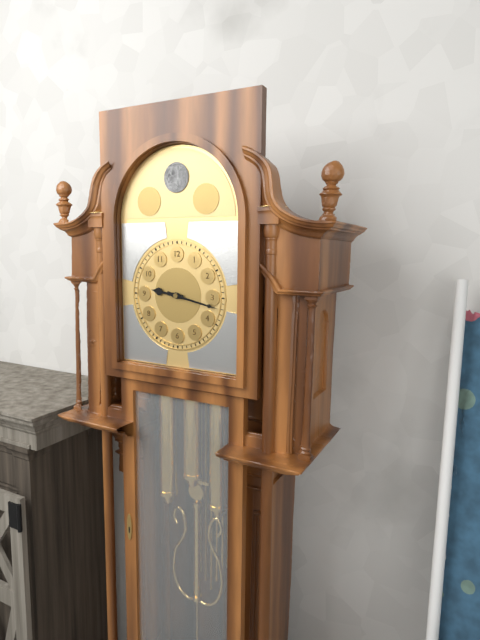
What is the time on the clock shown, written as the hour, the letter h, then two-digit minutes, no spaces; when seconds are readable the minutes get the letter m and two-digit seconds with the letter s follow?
9h17
